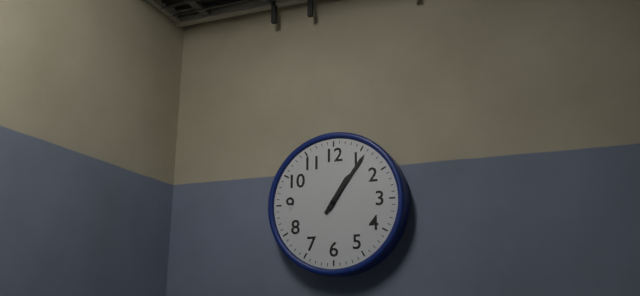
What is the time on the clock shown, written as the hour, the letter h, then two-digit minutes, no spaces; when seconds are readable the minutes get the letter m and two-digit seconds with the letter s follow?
1h06
